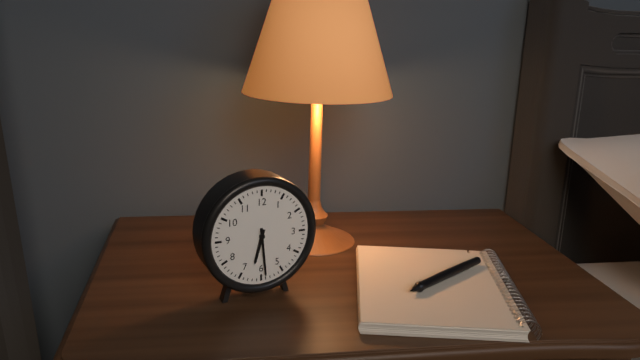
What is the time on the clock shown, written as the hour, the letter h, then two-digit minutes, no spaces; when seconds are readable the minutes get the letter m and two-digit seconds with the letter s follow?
6h29
